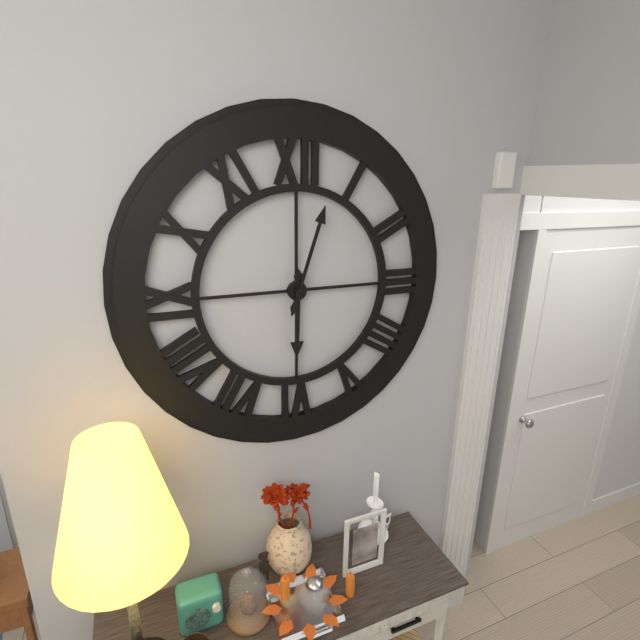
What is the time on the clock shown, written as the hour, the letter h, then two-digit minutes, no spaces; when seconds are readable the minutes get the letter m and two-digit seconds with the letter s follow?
6h03
